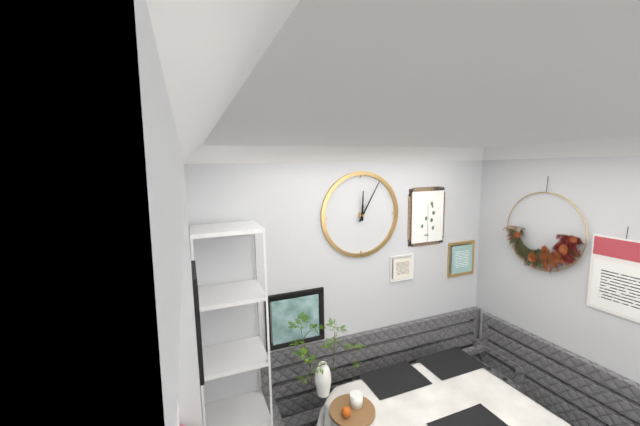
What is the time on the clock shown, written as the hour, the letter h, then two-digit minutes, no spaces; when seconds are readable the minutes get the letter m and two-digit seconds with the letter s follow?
12h05
